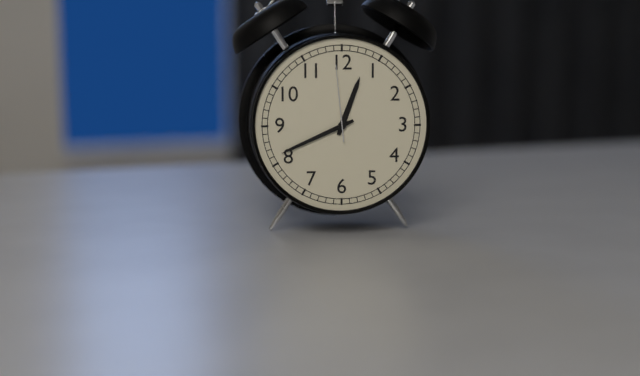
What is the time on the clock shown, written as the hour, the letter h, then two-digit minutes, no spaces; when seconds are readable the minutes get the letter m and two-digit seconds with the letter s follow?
12h41m59s
